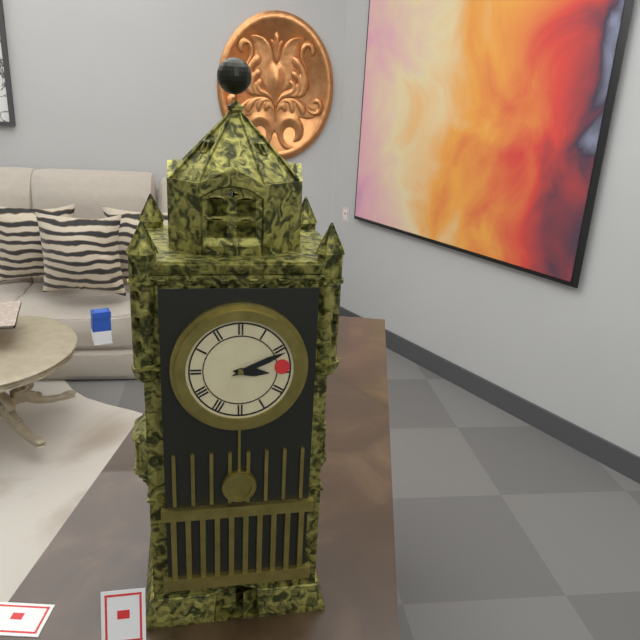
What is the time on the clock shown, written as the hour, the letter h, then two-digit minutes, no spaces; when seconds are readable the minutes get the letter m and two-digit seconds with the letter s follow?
3h11
